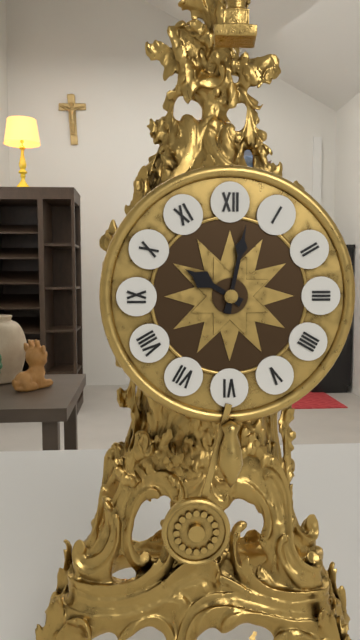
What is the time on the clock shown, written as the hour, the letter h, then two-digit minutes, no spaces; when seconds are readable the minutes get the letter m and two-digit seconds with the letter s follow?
10h02
